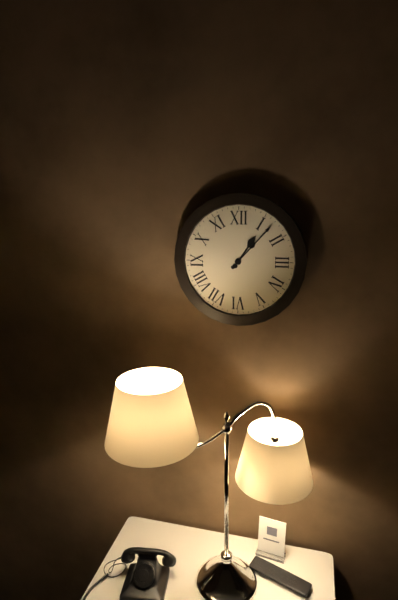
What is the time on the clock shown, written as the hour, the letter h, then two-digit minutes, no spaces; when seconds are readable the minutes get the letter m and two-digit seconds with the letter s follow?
1h07
